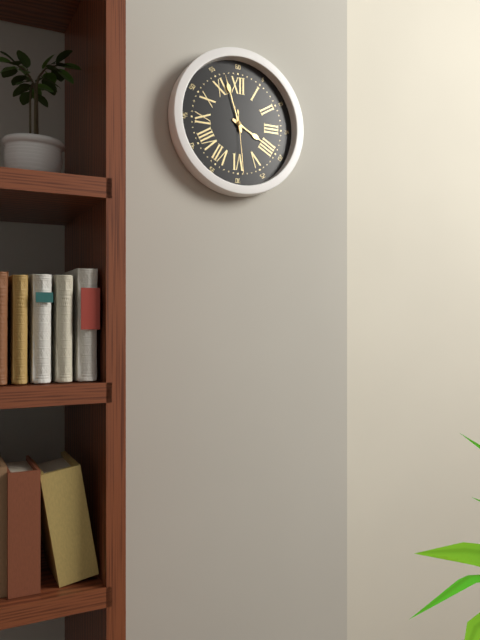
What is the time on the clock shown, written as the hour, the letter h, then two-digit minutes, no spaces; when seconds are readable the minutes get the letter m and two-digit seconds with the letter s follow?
3h57m29s
